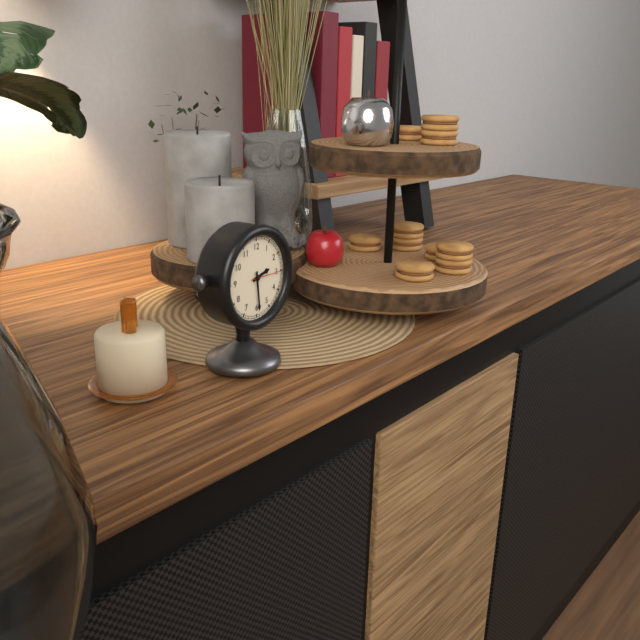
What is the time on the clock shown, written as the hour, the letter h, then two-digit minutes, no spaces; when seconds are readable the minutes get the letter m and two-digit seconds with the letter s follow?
2h29
